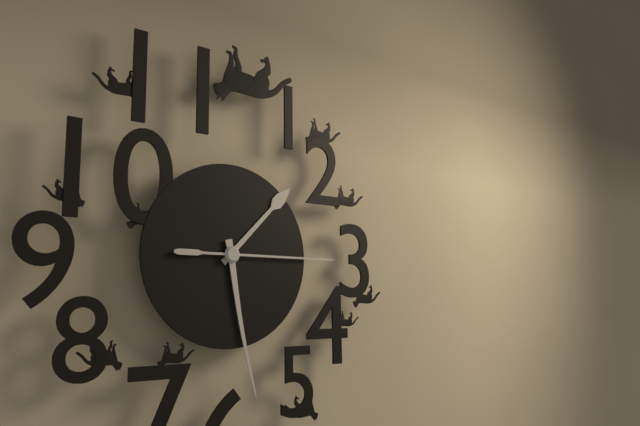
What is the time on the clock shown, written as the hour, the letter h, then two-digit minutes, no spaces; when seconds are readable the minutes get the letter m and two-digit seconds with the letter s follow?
1h28m15s
